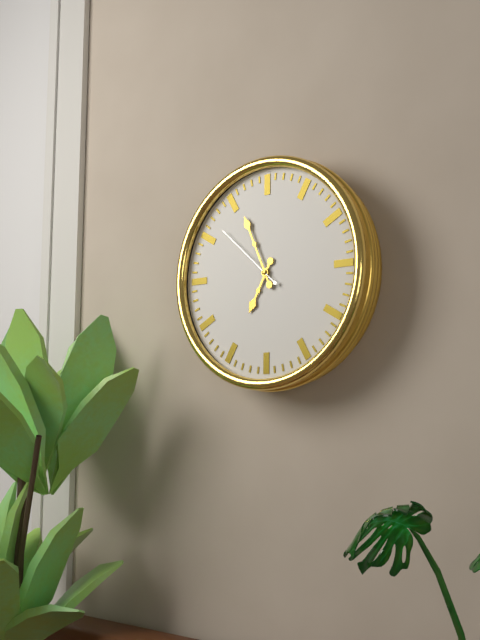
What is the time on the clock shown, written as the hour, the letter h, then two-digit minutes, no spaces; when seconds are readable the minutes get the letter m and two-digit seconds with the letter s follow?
6h56m52s
